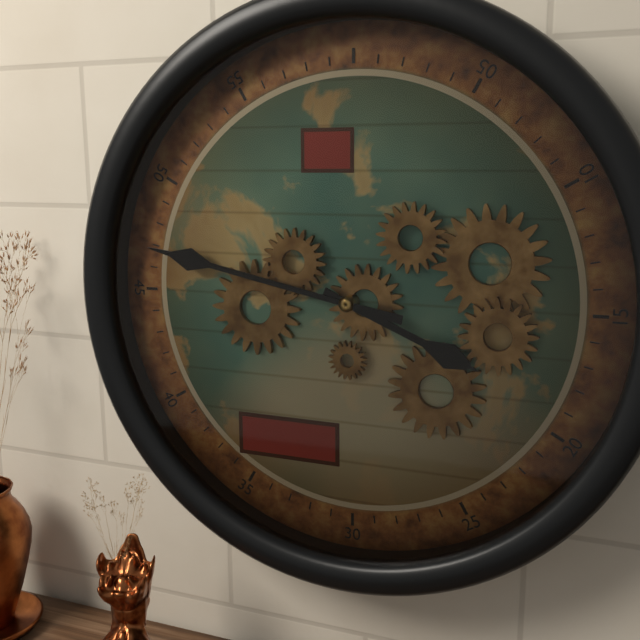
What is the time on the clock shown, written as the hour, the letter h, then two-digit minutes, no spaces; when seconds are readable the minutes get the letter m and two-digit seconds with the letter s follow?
3h47
